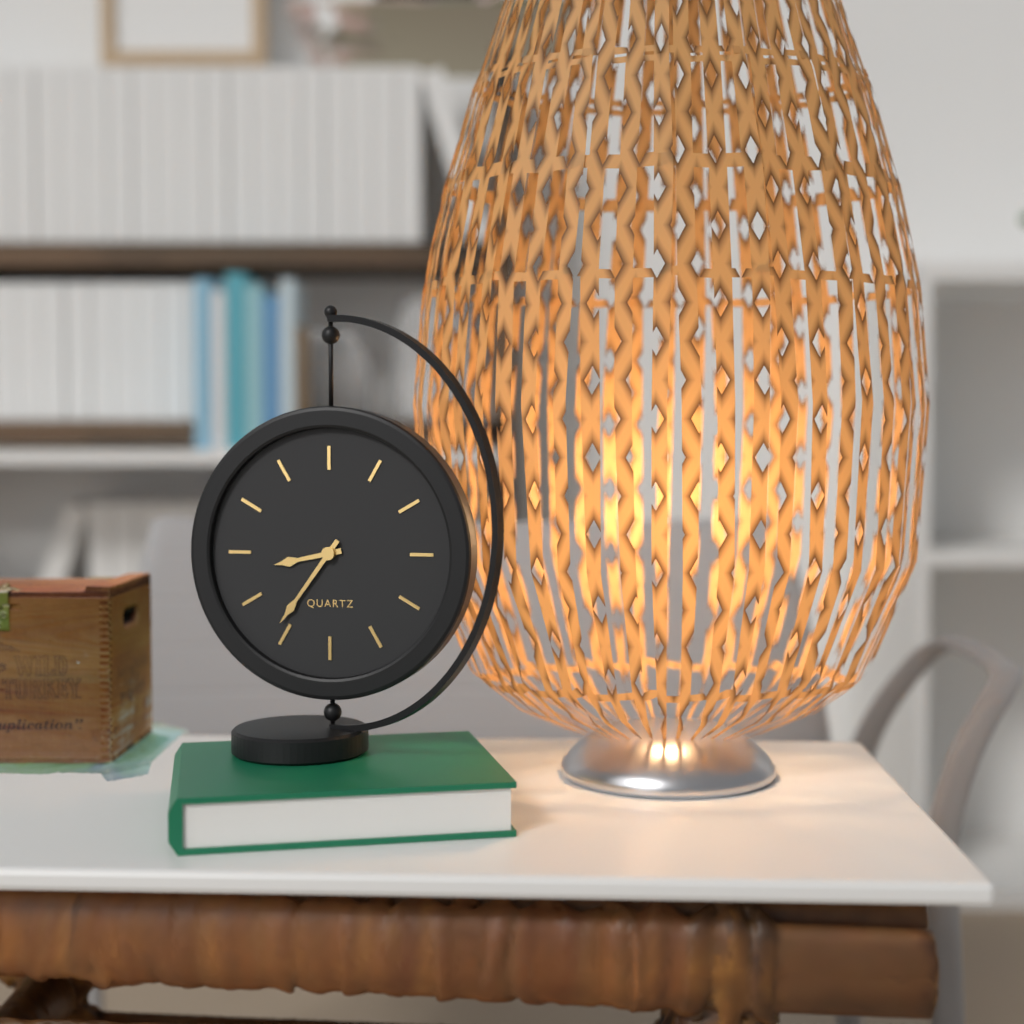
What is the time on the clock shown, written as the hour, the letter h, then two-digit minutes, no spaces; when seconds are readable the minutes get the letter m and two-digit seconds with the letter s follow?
8h36
